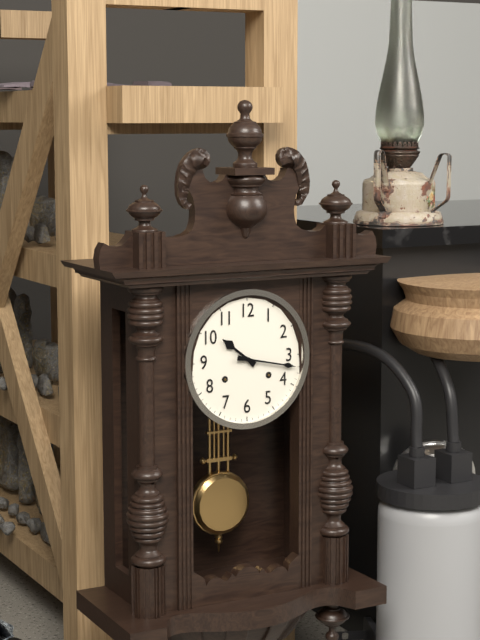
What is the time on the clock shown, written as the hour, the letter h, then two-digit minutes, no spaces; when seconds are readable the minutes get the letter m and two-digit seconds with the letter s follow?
10h17
